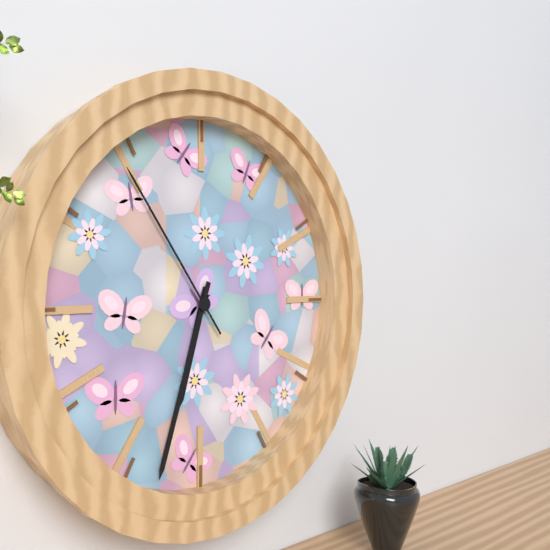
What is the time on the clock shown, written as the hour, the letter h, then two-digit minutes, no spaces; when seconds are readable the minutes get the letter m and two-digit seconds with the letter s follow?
6h33m54s
